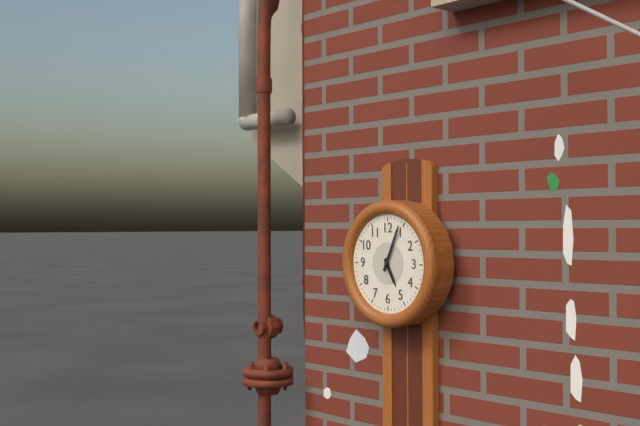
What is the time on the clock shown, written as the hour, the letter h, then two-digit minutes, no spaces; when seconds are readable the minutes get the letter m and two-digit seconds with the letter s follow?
5h04
